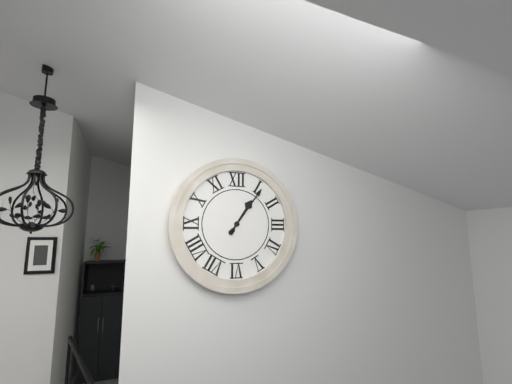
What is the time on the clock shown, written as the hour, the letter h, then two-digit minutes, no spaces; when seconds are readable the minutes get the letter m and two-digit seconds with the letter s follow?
1h06
